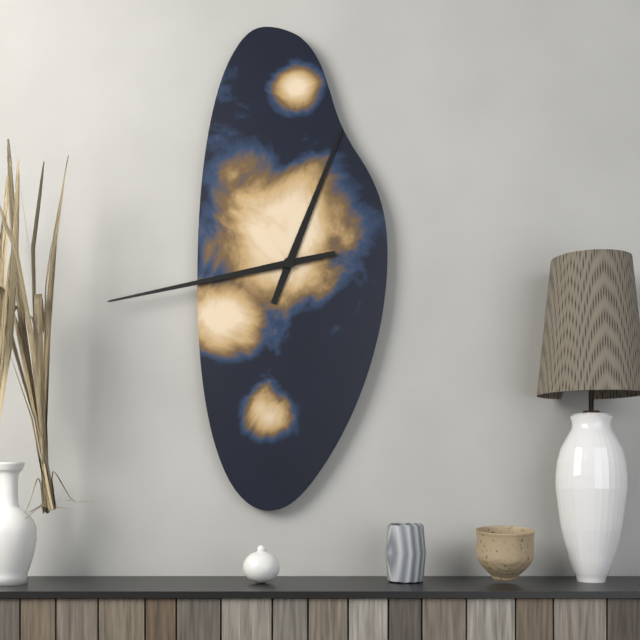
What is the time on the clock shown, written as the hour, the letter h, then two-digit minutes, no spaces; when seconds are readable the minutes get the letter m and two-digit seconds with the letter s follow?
12h43
